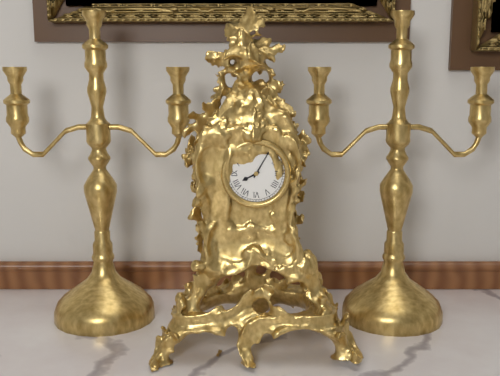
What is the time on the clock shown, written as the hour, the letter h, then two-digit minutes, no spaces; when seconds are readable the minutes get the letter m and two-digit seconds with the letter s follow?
8h05
